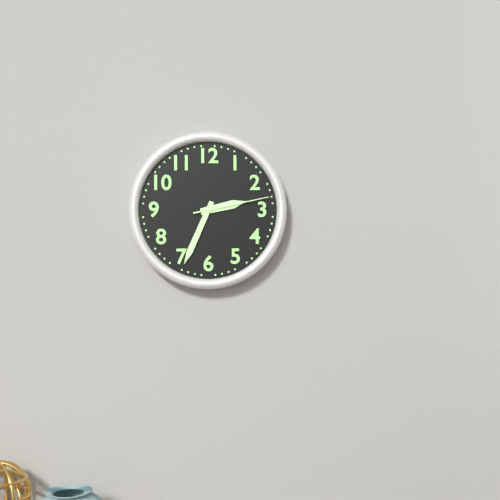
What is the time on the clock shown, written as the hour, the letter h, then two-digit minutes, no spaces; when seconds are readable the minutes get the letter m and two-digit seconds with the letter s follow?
2h34m13s
